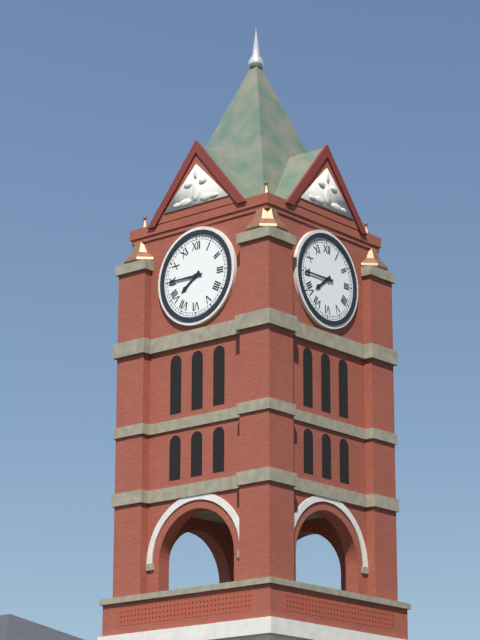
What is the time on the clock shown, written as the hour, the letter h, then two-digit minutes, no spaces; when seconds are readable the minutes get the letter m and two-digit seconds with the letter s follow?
7h45
